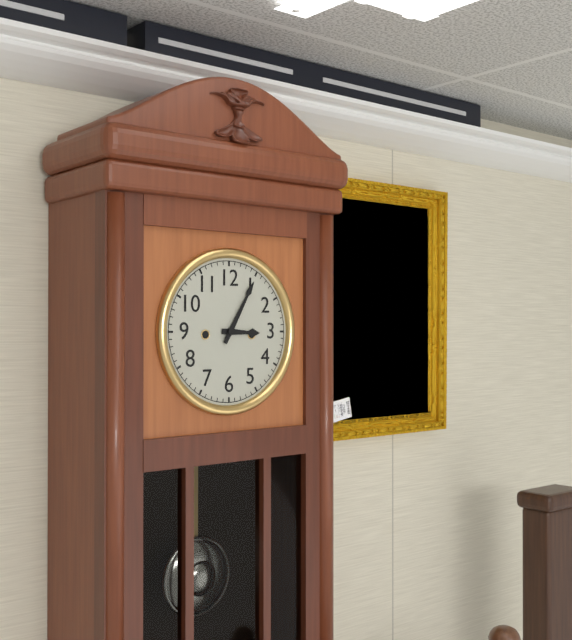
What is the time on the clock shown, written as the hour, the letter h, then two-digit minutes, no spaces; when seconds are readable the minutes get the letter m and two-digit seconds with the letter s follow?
3h05
